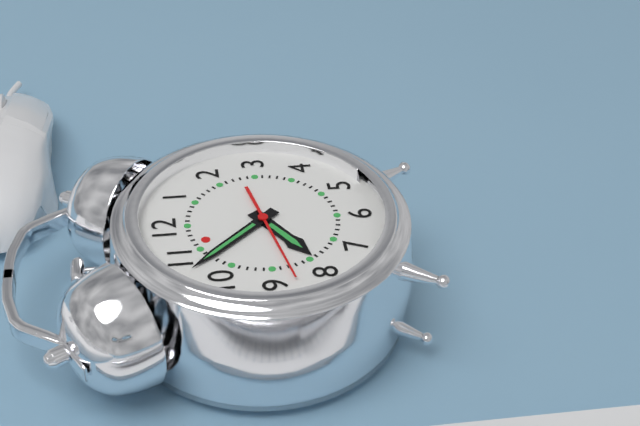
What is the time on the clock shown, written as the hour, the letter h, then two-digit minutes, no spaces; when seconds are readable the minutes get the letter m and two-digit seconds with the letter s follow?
7h53m43s
